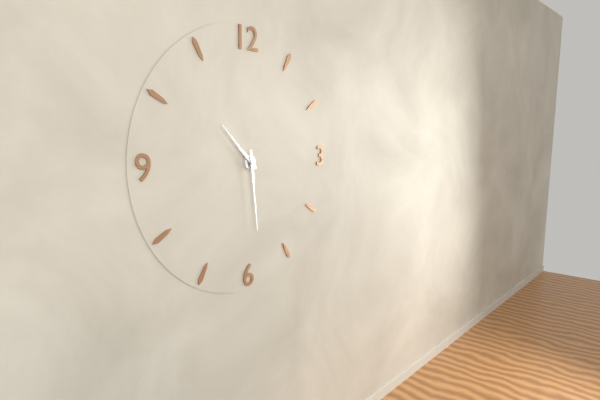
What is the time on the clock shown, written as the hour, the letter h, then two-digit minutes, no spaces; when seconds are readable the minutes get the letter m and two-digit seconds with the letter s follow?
10h29
